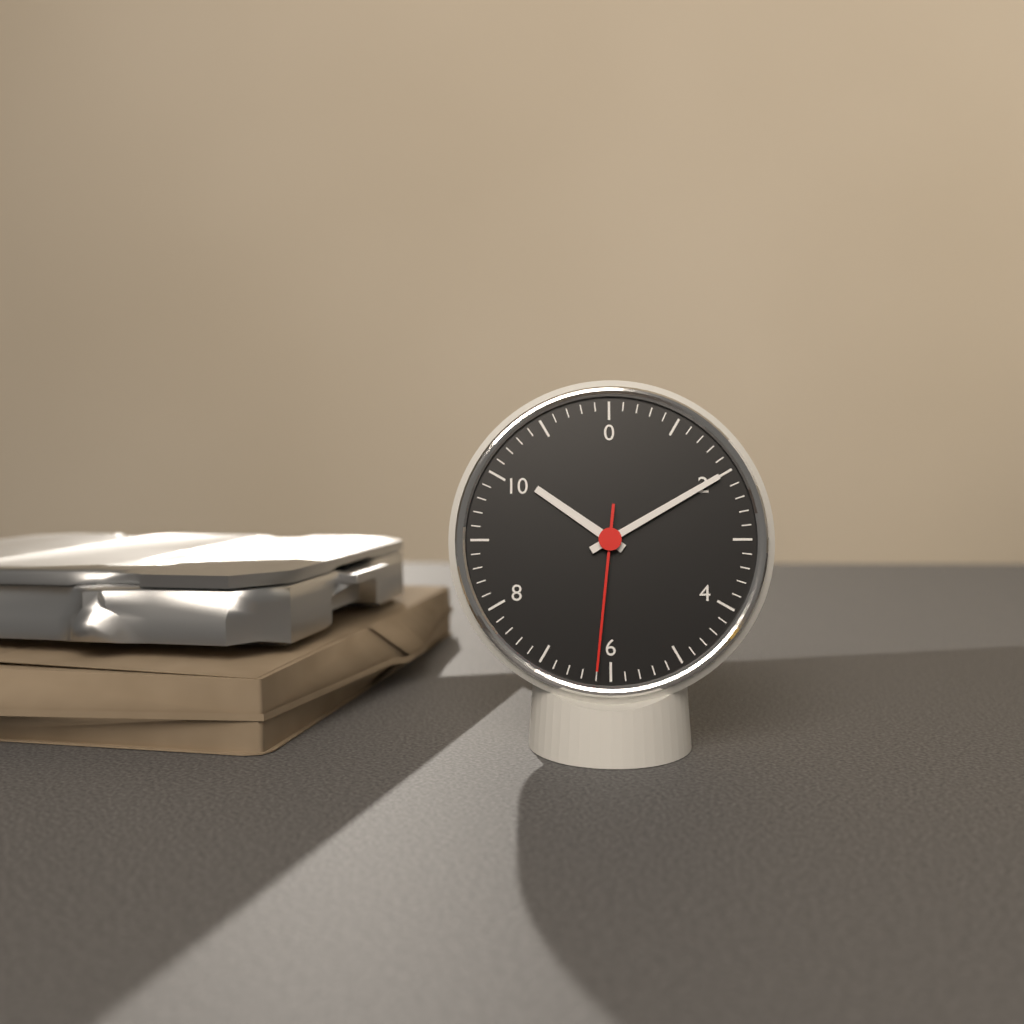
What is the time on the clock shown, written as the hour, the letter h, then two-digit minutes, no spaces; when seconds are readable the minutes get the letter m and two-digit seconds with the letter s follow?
10h10m31s
